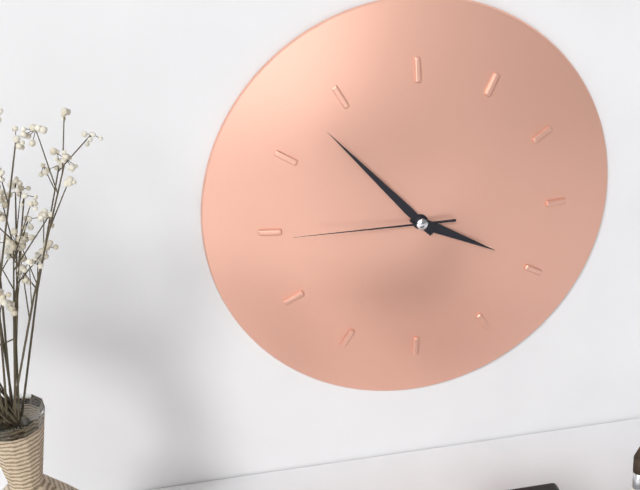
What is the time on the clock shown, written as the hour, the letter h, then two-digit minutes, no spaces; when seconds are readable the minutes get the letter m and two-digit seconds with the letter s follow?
3h53m45s
